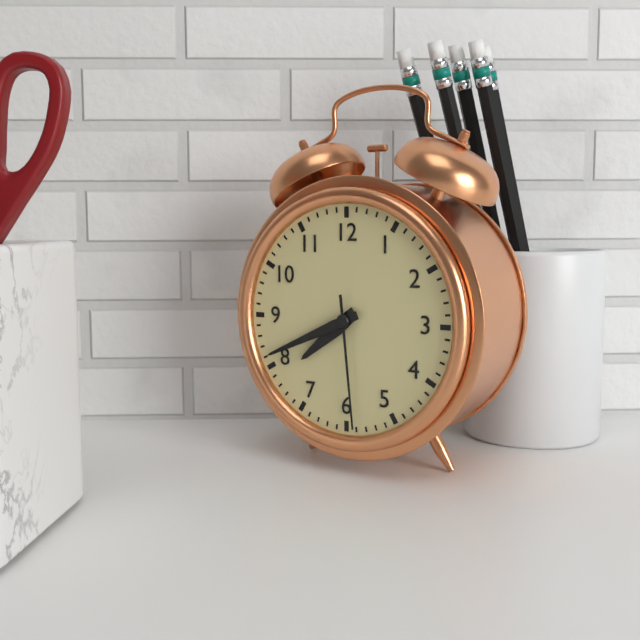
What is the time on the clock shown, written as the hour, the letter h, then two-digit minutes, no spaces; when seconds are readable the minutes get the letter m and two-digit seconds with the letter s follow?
7h41m29s
